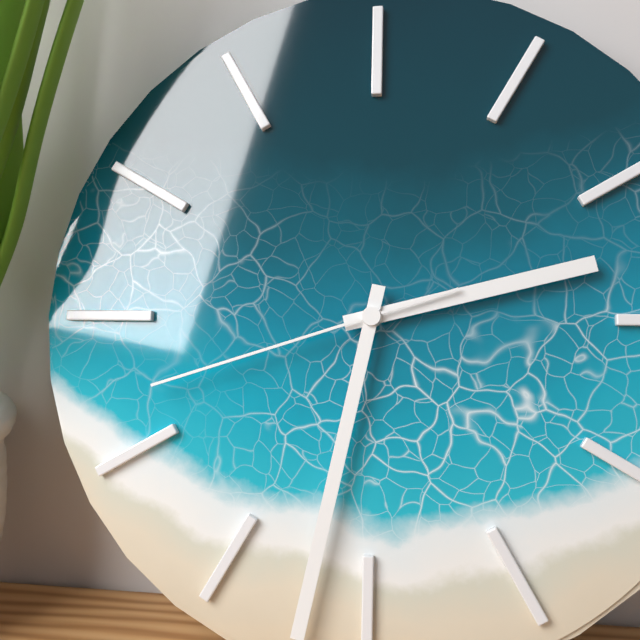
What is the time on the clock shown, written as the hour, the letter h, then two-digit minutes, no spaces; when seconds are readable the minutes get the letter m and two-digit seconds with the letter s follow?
2h32m42s
